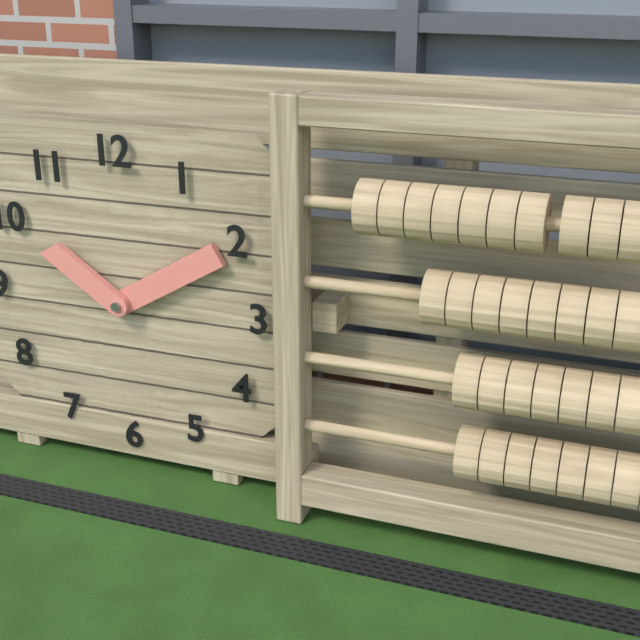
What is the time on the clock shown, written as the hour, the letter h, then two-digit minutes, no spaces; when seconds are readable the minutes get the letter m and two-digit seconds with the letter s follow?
10h10
